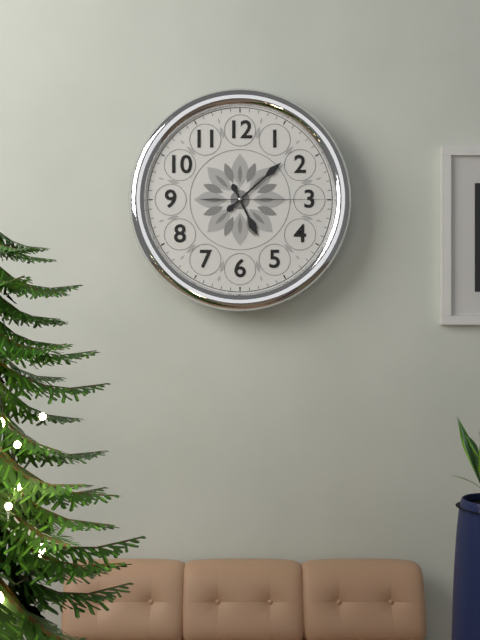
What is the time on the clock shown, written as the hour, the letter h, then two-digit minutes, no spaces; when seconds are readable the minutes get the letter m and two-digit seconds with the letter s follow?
5h08m15s
